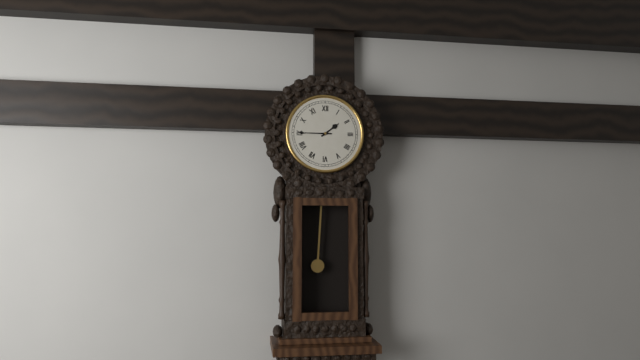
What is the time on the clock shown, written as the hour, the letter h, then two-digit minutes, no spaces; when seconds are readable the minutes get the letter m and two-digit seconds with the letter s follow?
1h45
